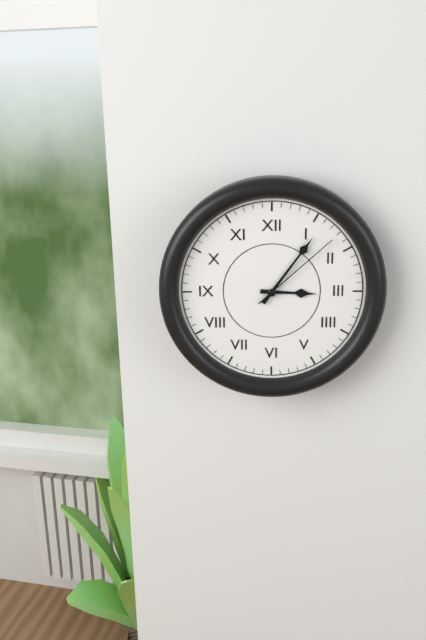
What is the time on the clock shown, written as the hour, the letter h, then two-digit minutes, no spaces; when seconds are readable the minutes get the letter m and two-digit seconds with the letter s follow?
3h06m08s
